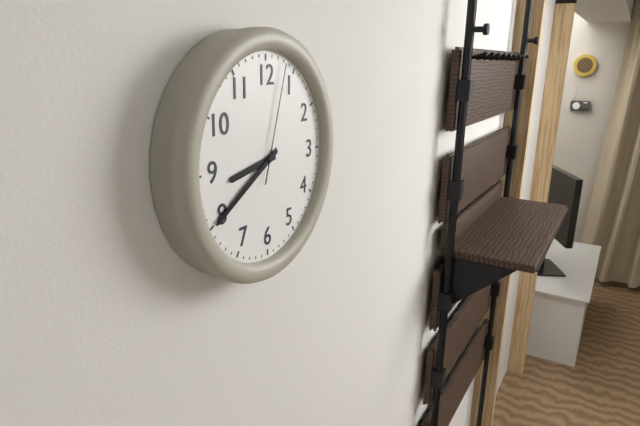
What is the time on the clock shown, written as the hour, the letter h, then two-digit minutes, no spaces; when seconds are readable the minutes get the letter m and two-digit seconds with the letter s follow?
8h40m03s
